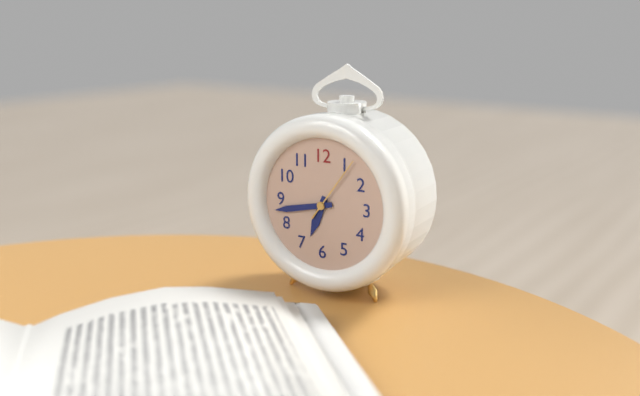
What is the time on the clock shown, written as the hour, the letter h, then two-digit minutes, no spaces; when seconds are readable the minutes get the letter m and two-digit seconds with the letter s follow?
6h43m06s
